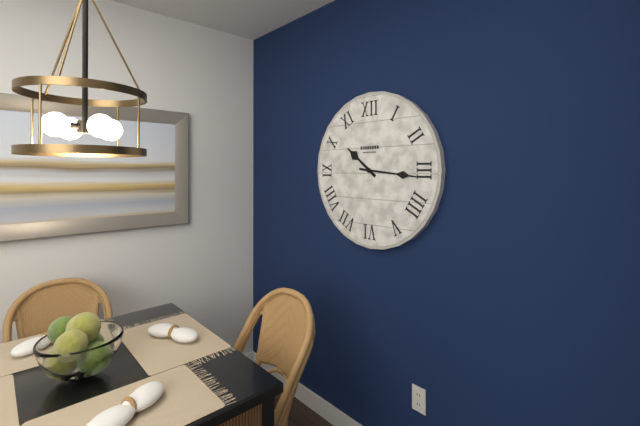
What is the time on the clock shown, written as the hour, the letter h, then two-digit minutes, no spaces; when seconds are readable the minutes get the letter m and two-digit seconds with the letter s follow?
10h16
